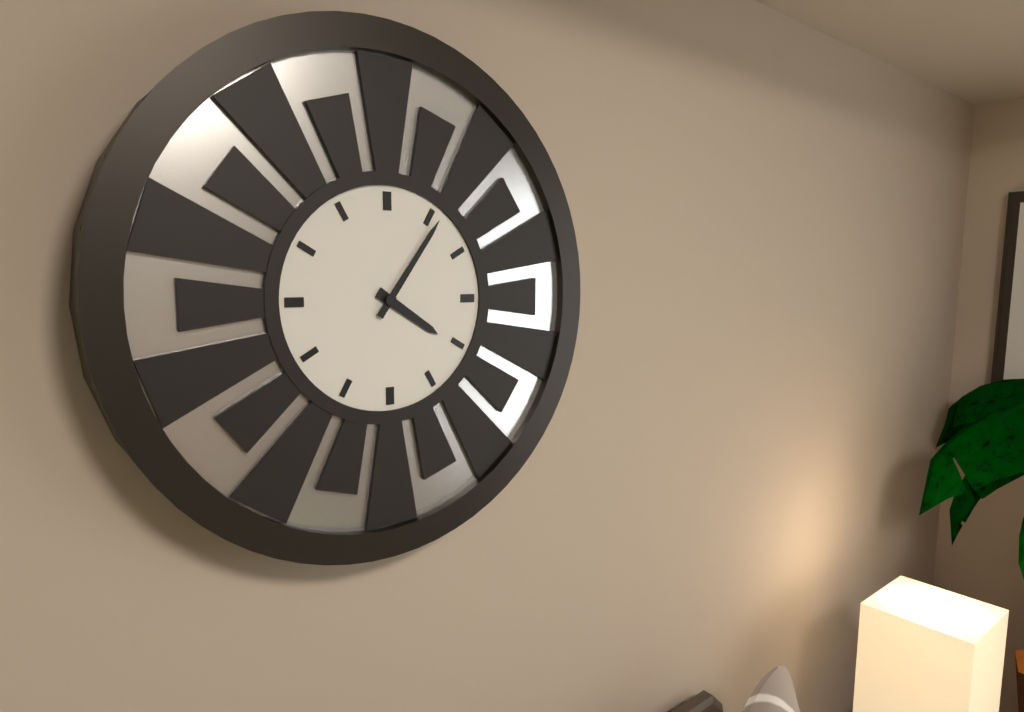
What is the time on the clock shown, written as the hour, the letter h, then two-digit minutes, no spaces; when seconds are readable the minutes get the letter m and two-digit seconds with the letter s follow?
4h06
